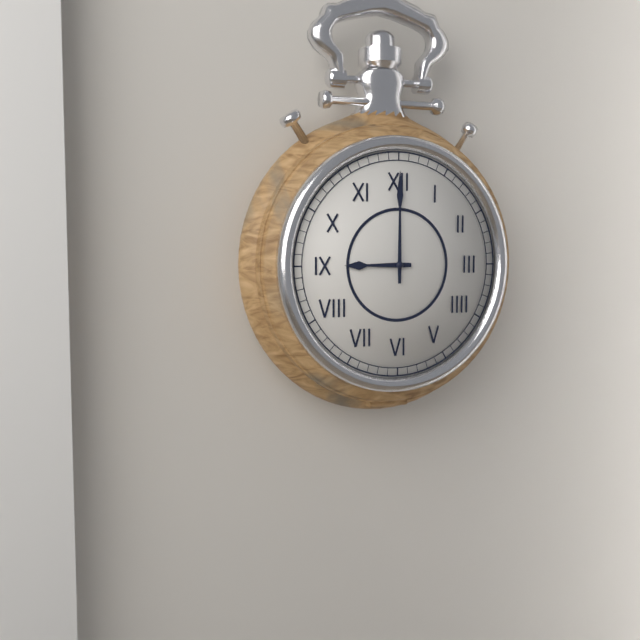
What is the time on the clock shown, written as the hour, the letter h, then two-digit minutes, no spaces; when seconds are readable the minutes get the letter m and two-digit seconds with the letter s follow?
9h00
